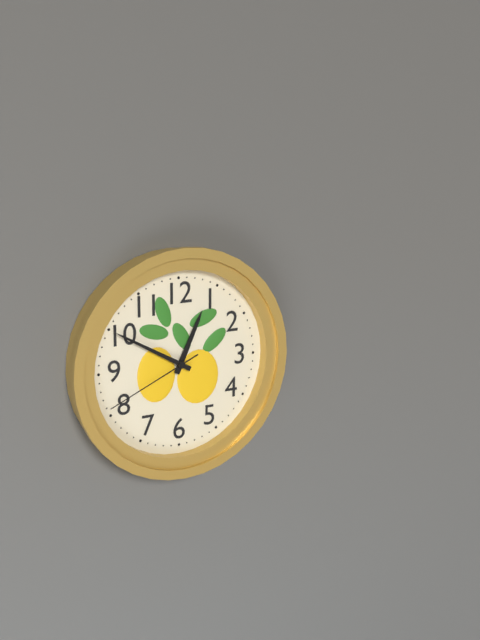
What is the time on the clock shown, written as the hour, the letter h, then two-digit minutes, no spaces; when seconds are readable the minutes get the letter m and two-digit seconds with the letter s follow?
12h50m41s
